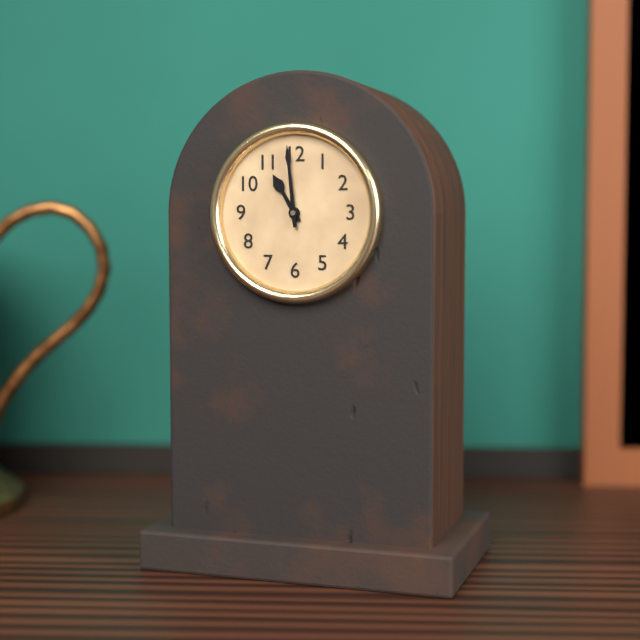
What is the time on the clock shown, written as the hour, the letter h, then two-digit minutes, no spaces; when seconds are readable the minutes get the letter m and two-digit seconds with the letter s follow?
10h59
